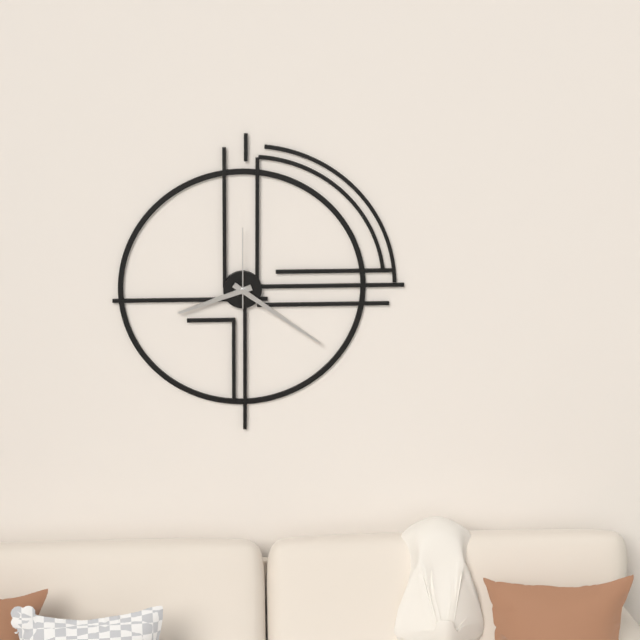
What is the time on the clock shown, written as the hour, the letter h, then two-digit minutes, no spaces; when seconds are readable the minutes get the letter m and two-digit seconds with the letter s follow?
8h21m00s
